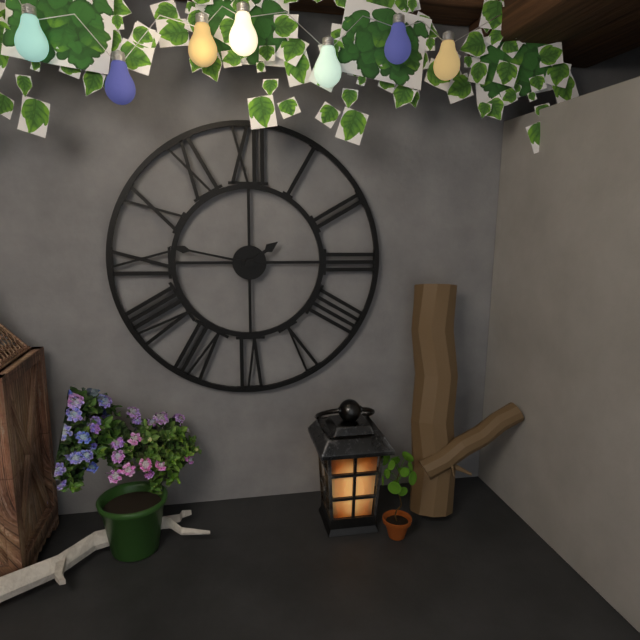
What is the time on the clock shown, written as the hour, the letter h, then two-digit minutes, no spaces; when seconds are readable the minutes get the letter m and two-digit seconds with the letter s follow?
1h47
